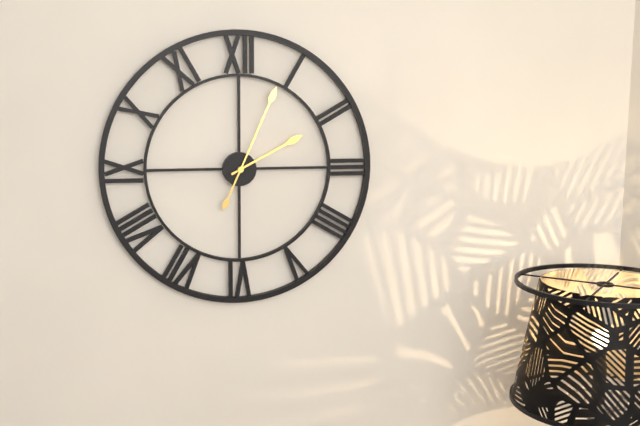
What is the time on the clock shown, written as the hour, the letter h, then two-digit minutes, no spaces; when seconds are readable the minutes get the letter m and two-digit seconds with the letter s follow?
2h04
